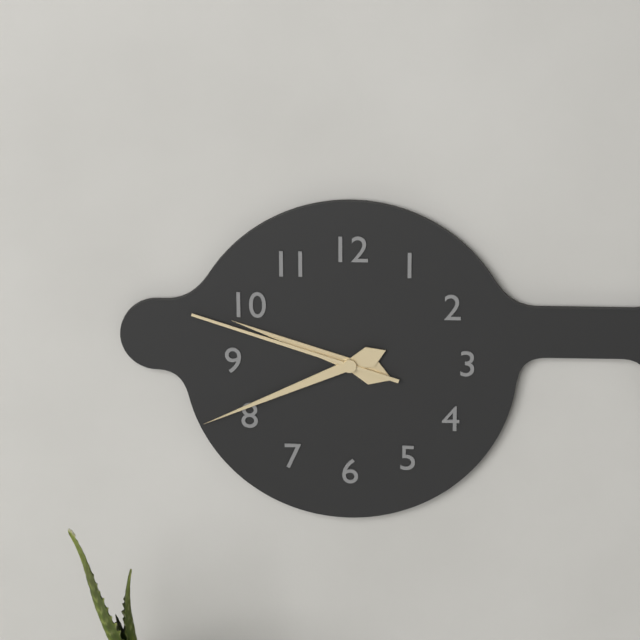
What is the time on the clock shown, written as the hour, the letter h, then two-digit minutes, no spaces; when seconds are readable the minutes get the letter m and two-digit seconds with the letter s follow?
9h41m48s
